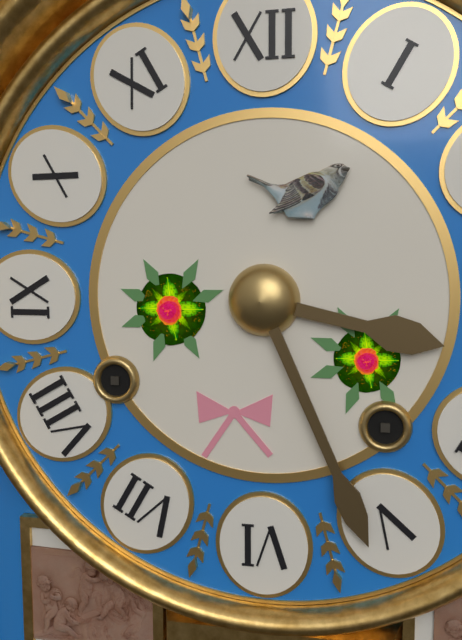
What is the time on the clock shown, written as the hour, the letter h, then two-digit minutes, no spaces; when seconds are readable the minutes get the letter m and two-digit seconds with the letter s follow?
3h26
